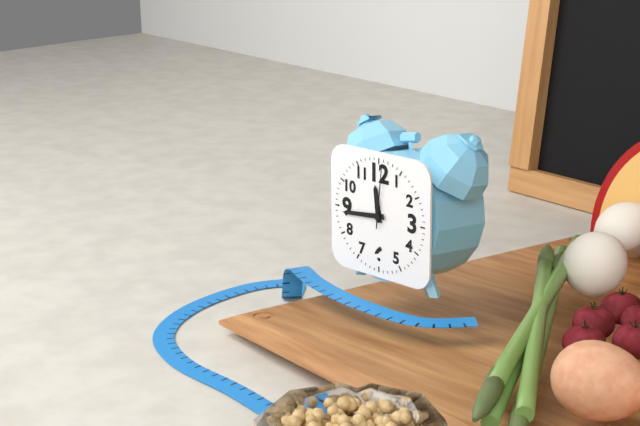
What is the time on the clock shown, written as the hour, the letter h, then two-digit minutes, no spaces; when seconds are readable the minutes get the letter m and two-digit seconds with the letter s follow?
11h44m01s
